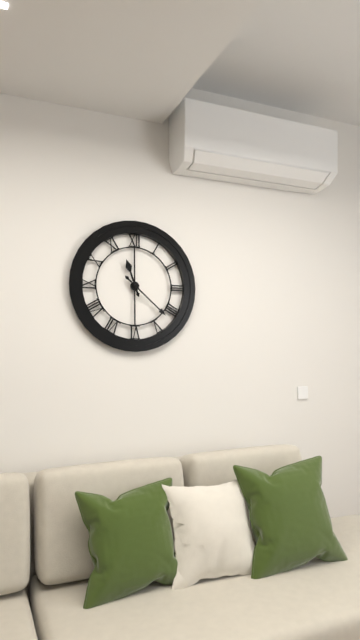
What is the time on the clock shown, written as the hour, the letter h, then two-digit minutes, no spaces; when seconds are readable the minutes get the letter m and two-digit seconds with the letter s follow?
11h22
